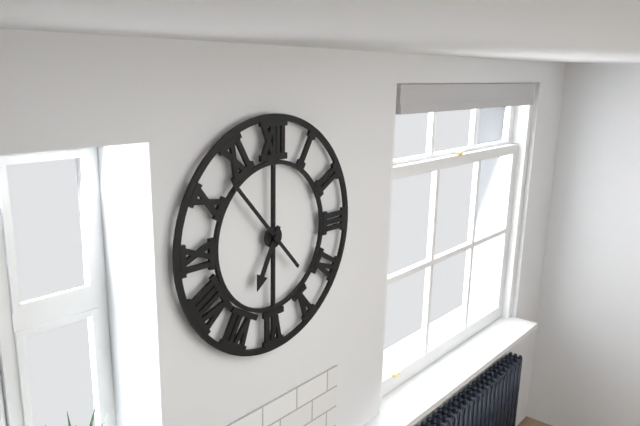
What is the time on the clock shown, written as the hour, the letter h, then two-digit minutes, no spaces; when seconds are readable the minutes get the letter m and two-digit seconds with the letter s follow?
6h53
